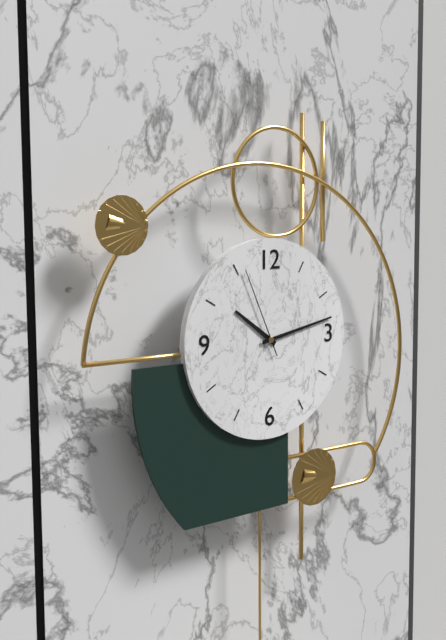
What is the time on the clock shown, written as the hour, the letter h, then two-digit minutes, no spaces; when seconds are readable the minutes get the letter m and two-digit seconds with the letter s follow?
10h13m56s
